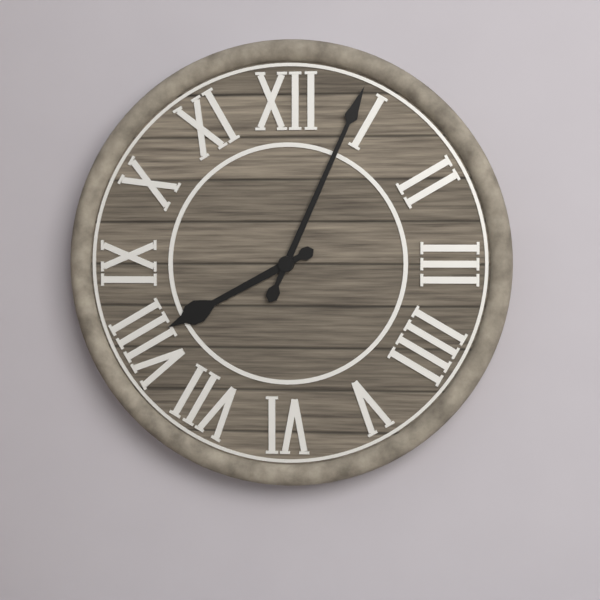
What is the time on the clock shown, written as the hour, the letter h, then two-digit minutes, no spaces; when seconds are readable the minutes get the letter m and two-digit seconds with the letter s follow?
8h04
